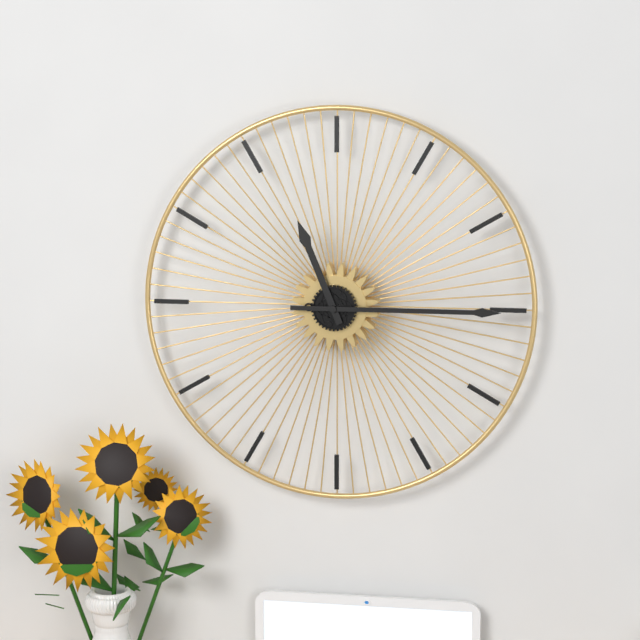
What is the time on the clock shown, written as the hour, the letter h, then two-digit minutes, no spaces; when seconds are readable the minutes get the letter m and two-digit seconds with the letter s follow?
11h15
